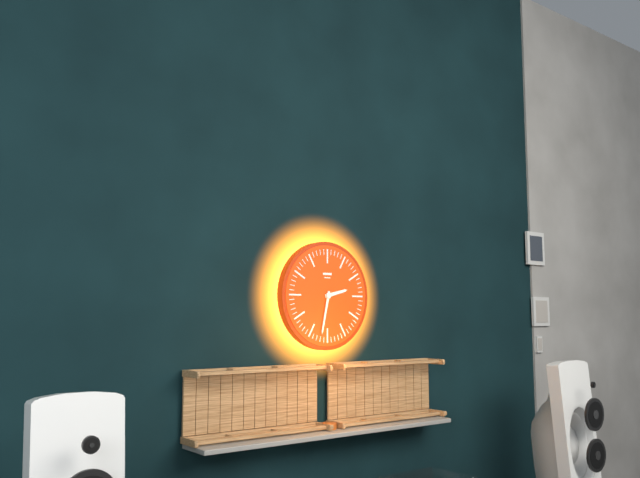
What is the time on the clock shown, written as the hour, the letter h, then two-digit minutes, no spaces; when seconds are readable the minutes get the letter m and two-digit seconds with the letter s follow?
2h32
